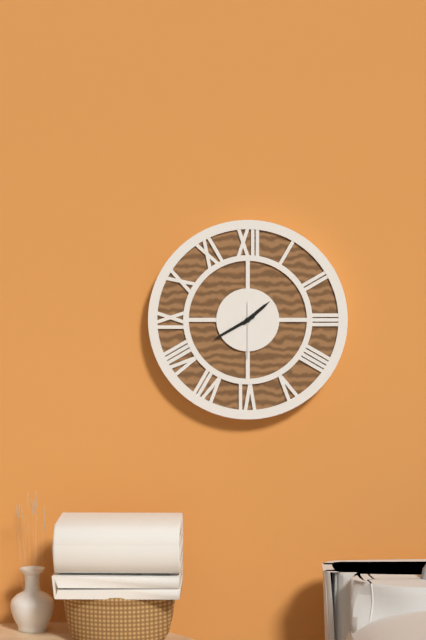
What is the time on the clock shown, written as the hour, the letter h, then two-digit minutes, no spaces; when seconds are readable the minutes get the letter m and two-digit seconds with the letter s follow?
1h40
